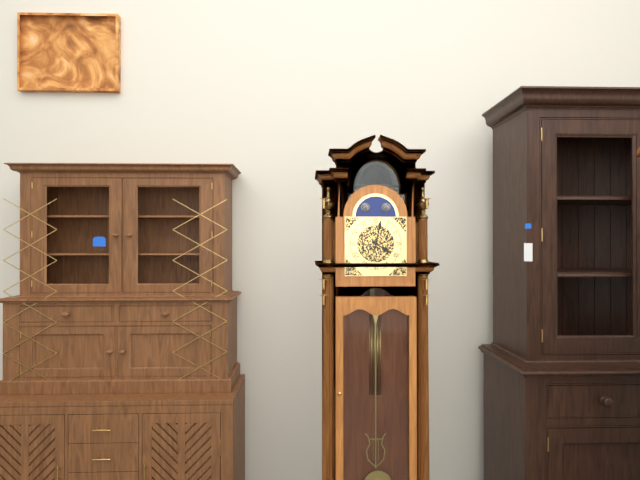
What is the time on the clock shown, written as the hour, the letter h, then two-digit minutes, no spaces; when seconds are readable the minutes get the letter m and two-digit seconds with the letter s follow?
4h02
